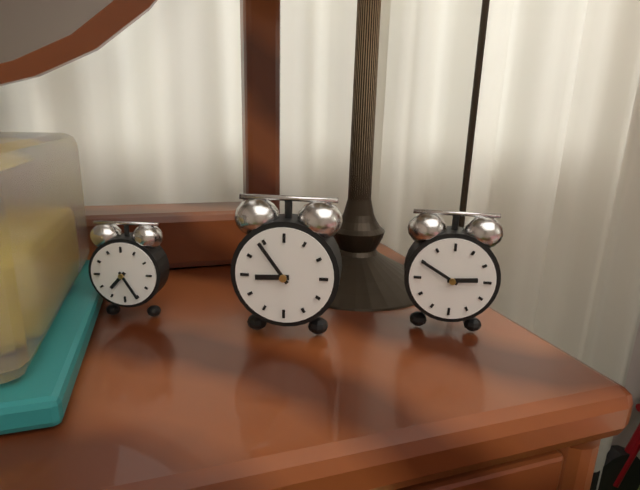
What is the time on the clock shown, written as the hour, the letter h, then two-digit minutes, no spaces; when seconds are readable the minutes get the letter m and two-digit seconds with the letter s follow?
8h54
